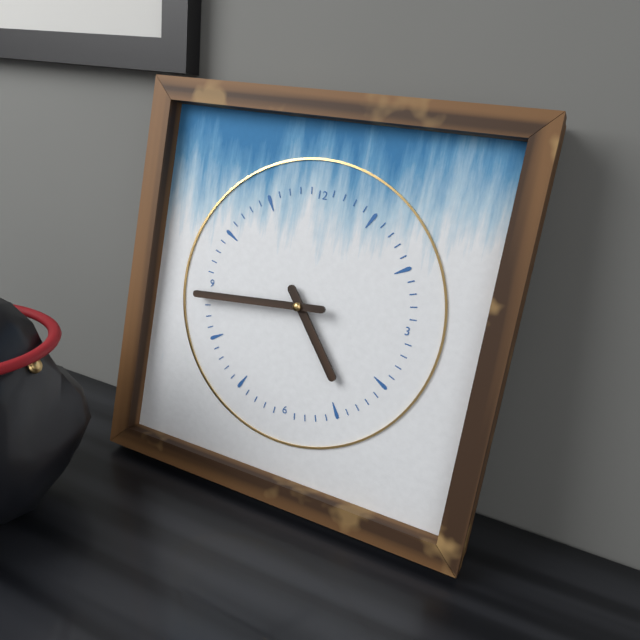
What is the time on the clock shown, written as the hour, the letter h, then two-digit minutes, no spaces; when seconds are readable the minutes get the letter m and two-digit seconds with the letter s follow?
4h44
